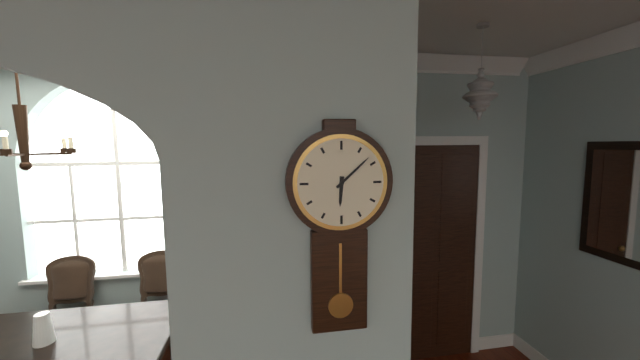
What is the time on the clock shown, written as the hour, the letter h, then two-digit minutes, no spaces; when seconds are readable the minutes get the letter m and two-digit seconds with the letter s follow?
6h08
